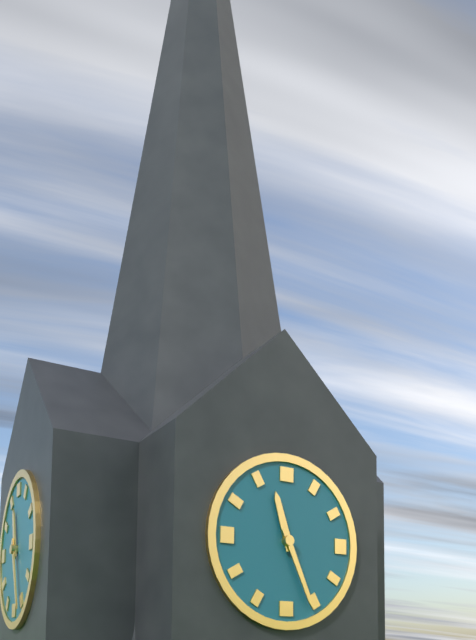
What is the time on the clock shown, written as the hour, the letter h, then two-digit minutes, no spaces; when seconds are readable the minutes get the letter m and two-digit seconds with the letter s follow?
11h26
